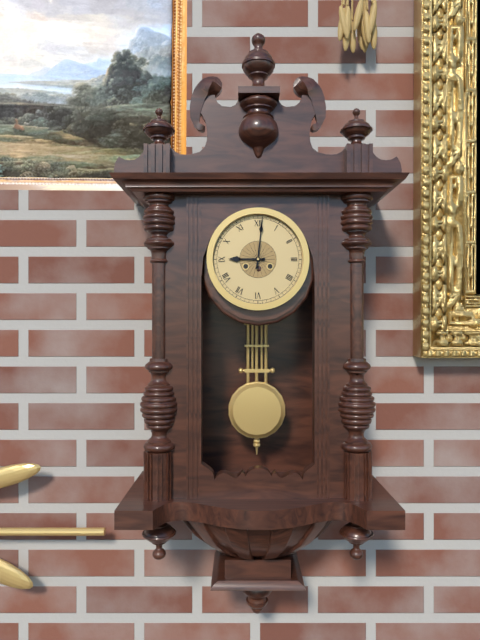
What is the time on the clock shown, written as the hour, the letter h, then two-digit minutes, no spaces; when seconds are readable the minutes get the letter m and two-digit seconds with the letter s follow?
9h01
